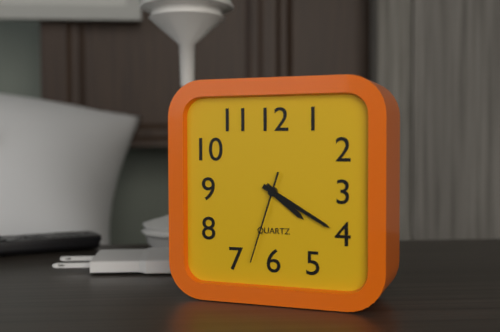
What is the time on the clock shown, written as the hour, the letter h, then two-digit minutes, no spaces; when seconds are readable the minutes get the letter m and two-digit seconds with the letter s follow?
4h20m33s
